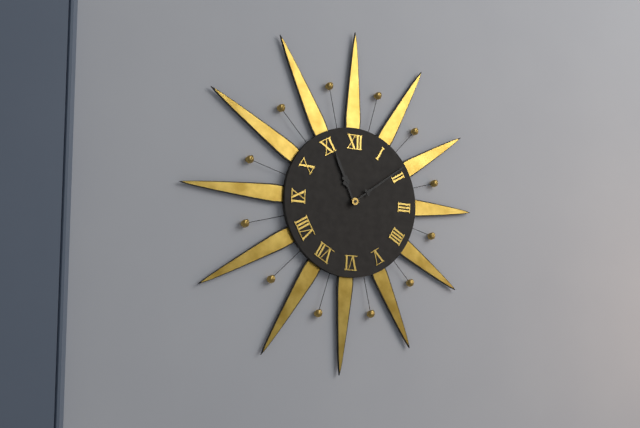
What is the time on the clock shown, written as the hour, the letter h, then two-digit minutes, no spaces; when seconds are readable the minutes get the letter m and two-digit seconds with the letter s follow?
11h09
